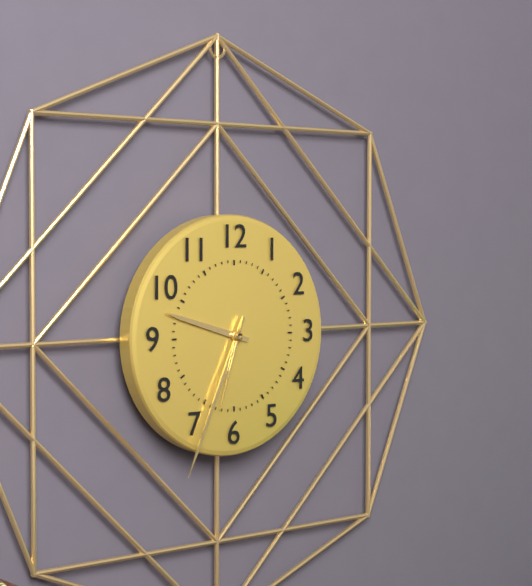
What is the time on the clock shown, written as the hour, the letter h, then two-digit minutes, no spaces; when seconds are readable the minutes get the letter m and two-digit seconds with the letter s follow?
9h34m33s
